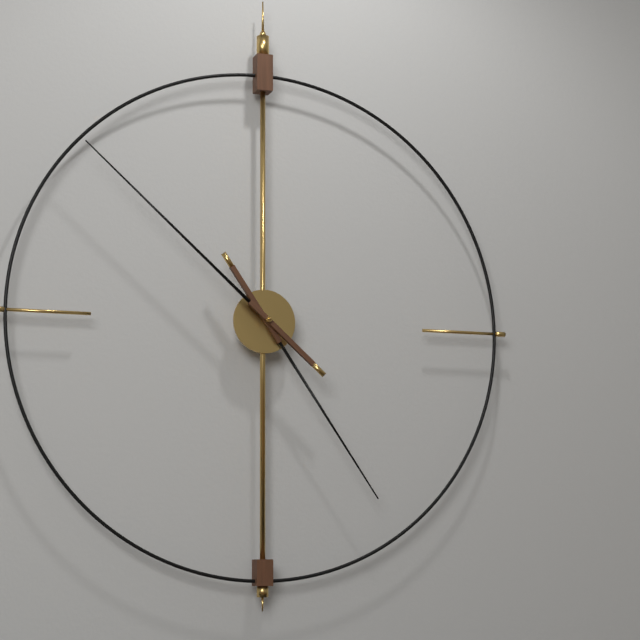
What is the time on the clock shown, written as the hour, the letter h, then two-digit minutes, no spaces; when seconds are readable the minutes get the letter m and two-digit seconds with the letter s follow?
4h52
